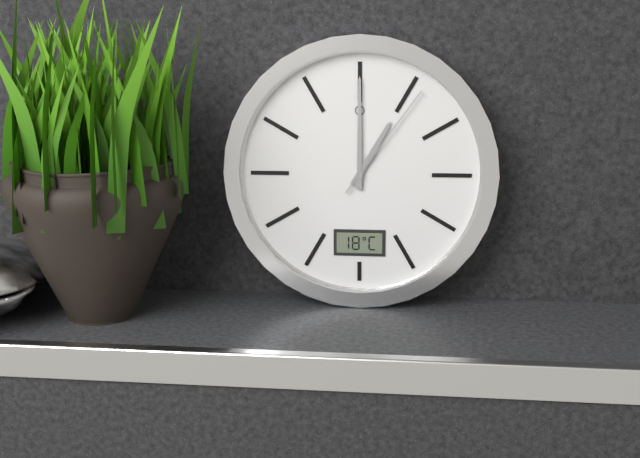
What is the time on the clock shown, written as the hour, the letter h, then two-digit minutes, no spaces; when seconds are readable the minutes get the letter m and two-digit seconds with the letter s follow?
1h00m06s
